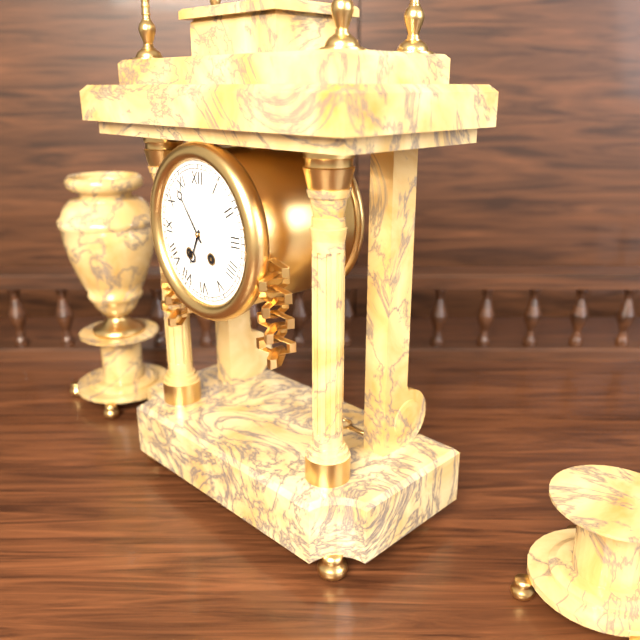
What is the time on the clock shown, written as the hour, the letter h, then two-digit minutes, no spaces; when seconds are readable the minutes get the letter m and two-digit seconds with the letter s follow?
6h54
